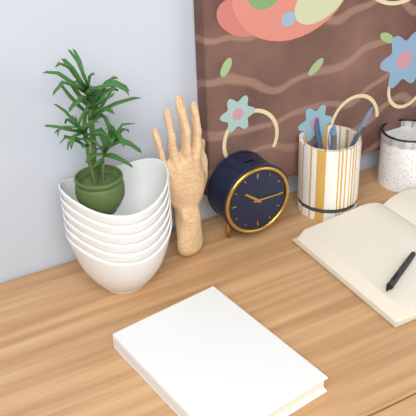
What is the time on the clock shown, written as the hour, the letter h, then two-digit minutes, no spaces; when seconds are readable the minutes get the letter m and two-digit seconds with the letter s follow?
10h15
